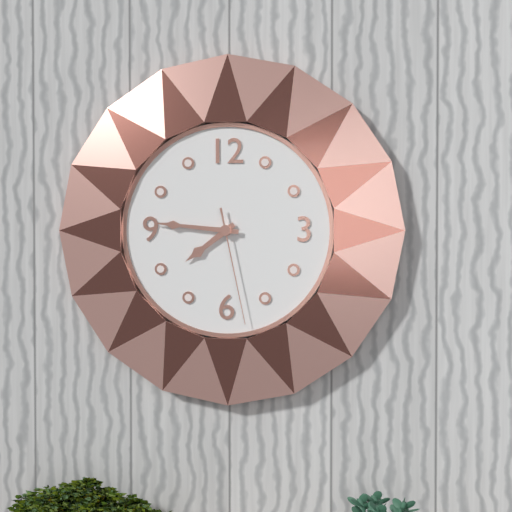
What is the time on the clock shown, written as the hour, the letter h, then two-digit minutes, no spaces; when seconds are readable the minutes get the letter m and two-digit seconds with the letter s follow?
7h46m28s
